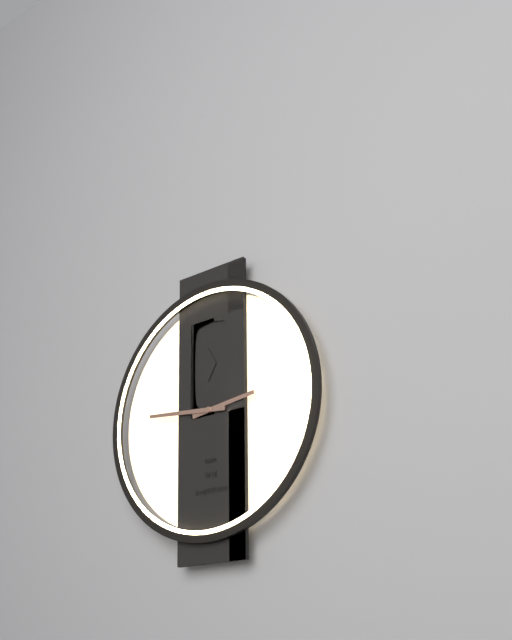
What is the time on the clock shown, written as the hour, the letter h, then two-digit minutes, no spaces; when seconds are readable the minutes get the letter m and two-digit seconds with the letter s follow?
2h46
